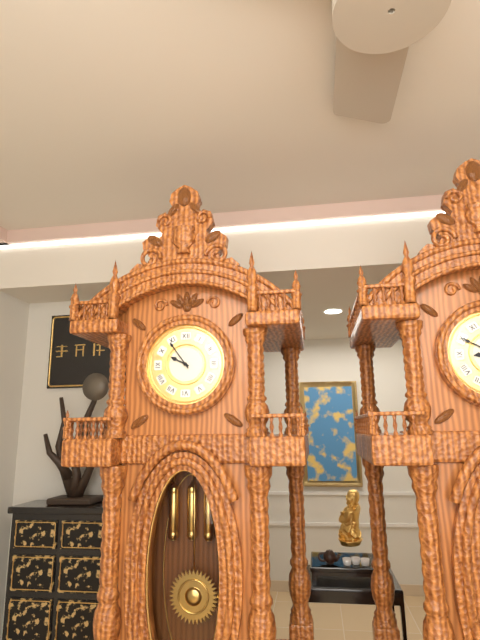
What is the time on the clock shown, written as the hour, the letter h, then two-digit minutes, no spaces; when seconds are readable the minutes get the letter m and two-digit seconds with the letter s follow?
9h54
